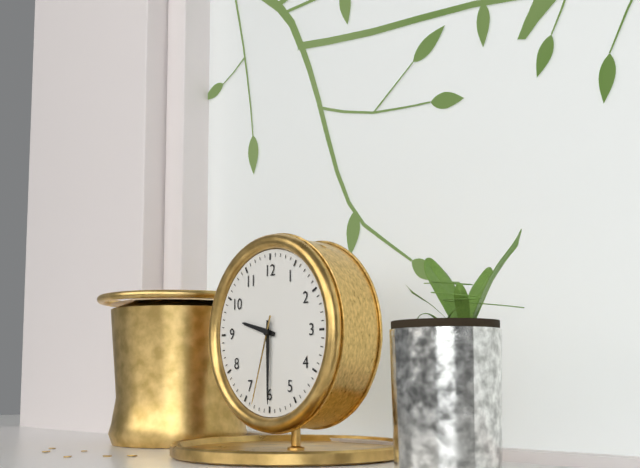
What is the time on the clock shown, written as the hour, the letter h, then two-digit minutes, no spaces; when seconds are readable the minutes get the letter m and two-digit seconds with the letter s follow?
9h30m33s
